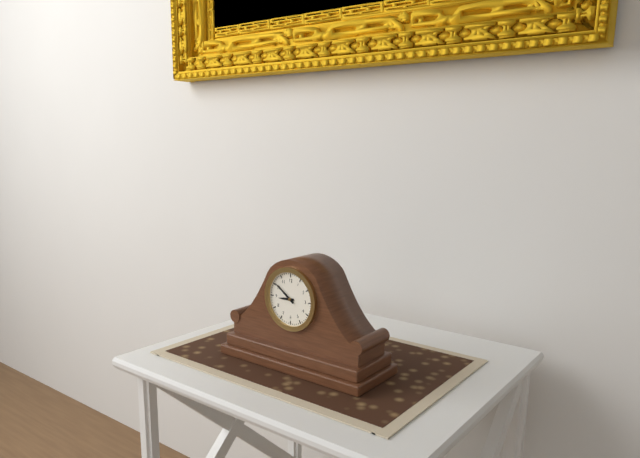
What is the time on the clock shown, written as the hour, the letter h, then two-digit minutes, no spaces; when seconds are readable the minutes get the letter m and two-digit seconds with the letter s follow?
8h51
